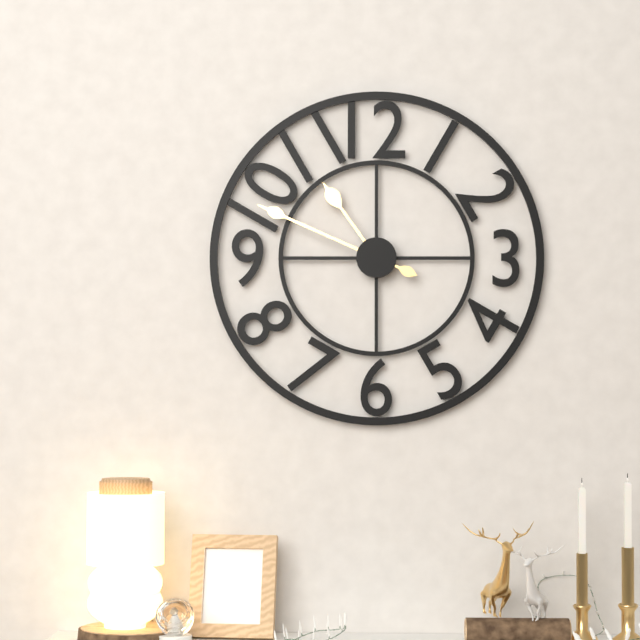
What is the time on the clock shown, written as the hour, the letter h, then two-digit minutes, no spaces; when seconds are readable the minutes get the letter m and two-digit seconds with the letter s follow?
10h49
